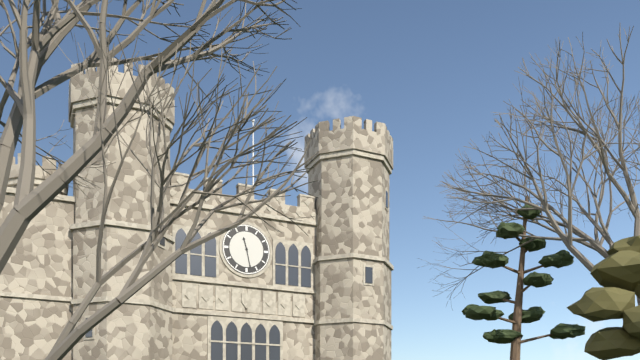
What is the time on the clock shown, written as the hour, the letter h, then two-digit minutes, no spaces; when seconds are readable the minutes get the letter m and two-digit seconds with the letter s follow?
11h28
